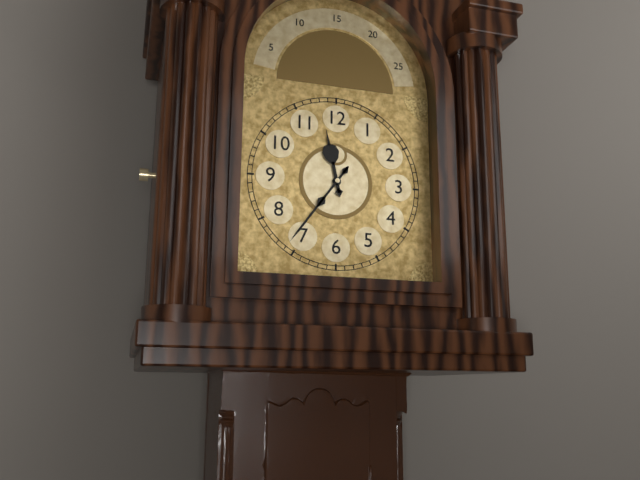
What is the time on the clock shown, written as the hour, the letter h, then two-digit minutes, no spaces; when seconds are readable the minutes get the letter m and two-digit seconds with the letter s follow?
11h36
